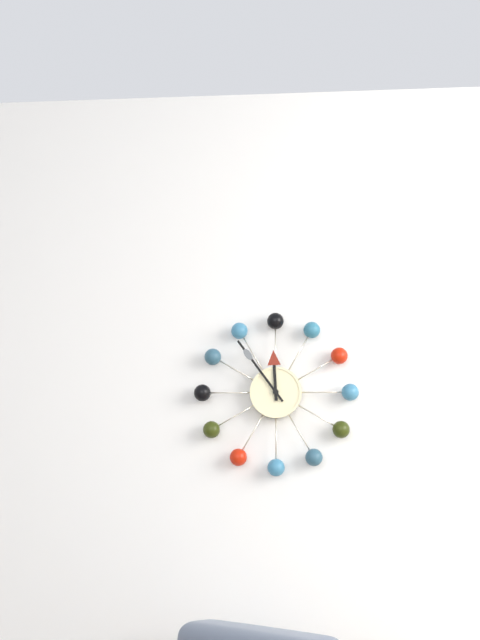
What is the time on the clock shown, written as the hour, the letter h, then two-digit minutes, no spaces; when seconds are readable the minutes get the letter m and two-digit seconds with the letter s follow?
11h54
